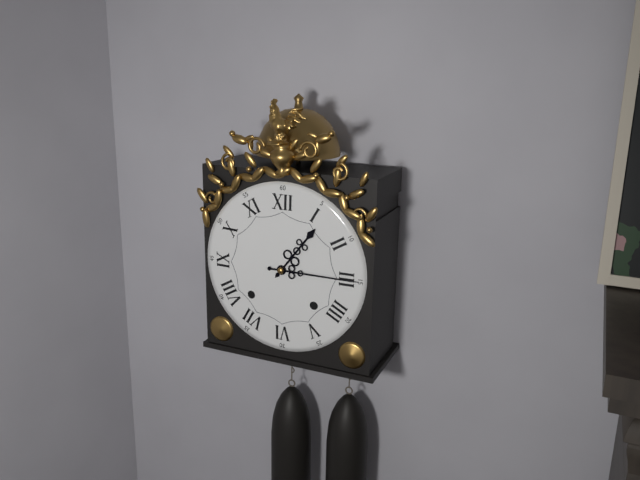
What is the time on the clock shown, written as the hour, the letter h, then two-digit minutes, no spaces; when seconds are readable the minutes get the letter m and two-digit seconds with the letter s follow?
1h15
